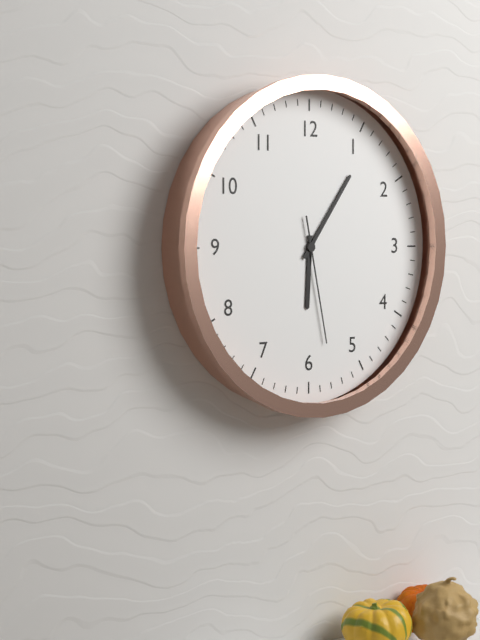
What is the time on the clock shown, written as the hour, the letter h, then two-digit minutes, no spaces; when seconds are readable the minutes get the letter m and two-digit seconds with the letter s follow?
6h06m28s
